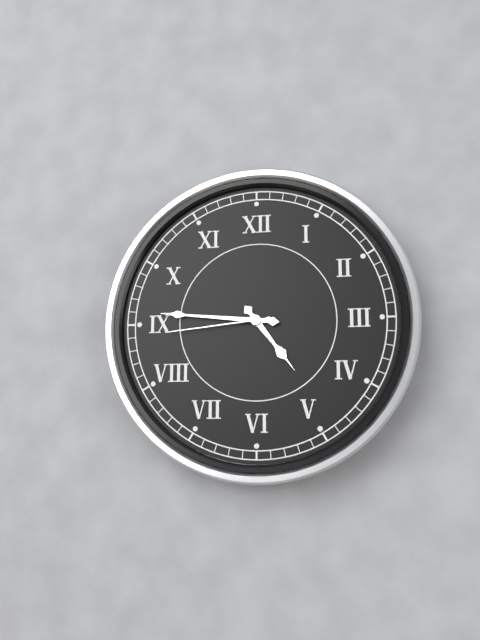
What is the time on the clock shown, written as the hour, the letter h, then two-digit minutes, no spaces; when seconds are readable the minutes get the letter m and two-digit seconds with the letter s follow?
4h46m44s
